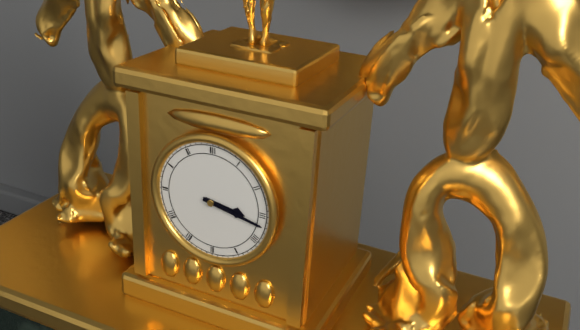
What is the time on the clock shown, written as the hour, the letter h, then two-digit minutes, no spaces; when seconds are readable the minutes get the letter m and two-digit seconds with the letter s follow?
3h17
